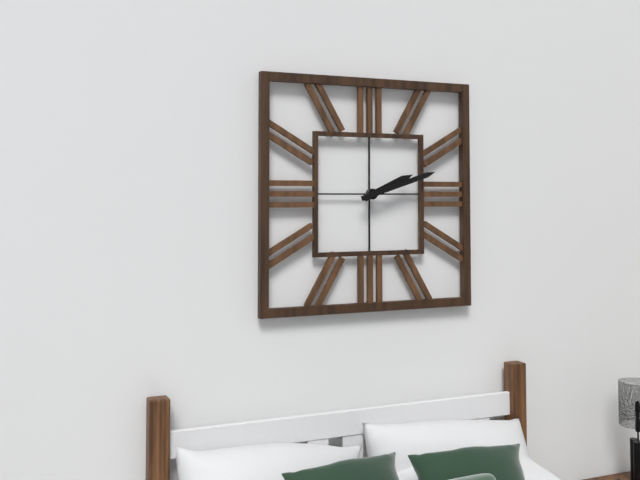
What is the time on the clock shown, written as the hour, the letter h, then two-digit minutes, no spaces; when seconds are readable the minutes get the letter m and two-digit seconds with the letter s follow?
2h12
